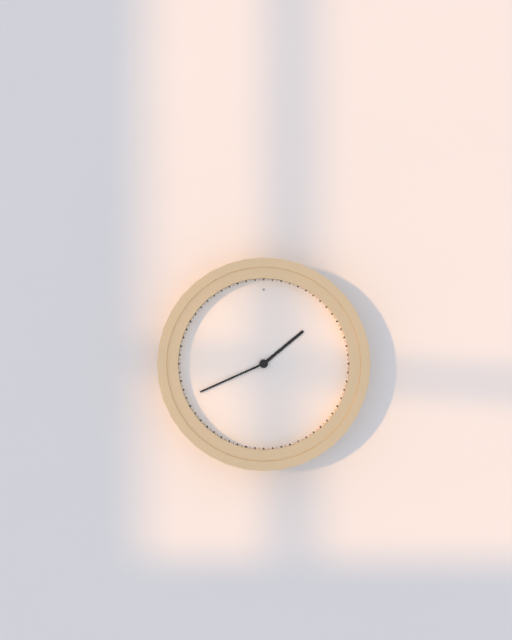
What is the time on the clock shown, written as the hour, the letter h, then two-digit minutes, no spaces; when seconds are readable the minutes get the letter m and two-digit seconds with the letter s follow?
1h41
